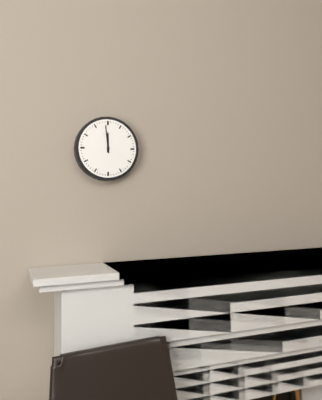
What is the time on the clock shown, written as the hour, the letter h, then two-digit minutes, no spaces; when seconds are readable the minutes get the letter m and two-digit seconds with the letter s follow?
11h59
